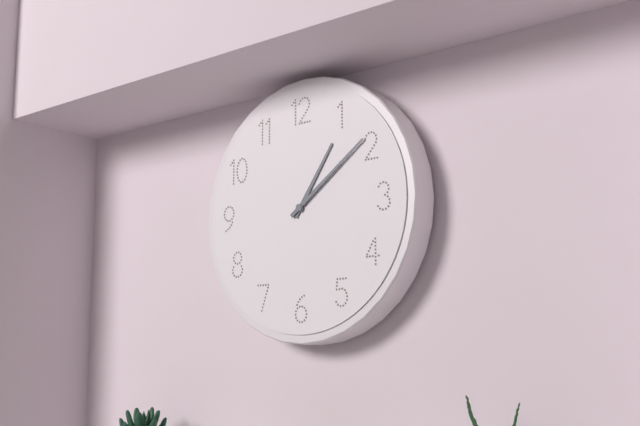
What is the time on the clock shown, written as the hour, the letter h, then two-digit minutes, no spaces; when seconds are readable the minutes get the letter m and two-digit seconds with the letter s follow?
1h09
